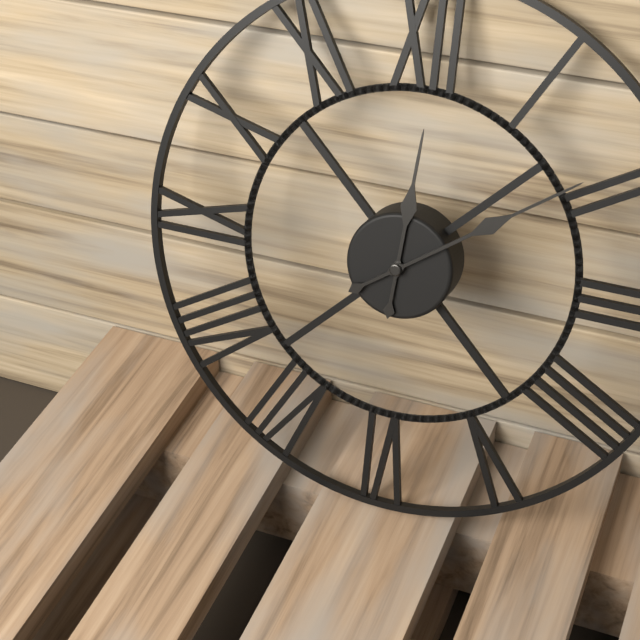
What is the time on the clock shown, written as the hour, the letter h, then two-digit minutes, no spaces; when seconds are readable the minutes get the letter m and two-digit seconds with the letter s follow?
12h09
